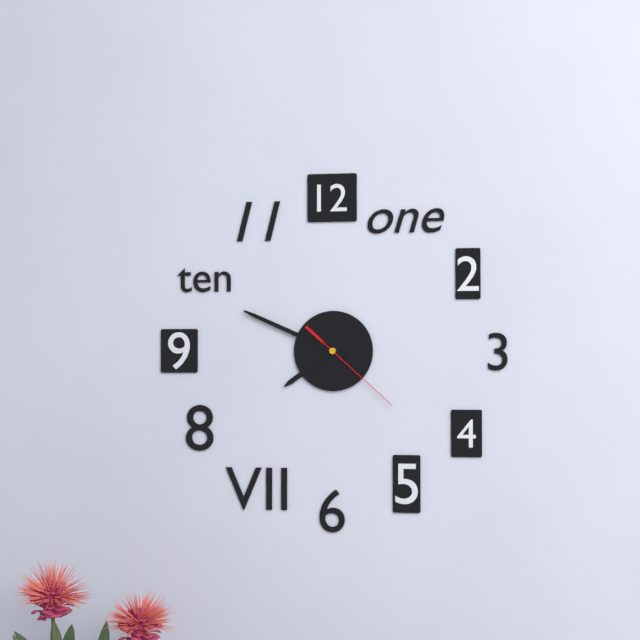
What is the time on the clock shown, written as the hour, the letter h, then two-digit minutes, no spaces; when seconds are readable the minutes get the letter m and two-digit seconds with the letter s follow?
7h49m22s
